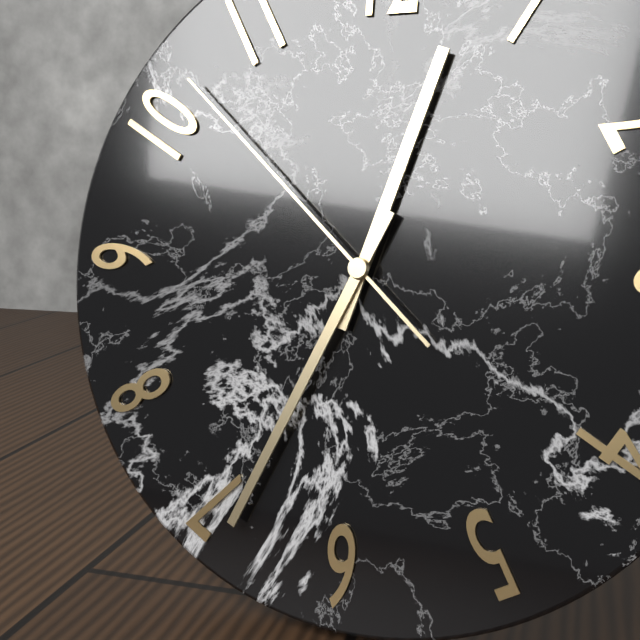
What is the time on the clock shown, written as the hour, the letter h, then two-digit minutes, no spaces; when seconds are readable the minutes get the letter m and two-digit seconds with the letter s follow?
12h34m52s
